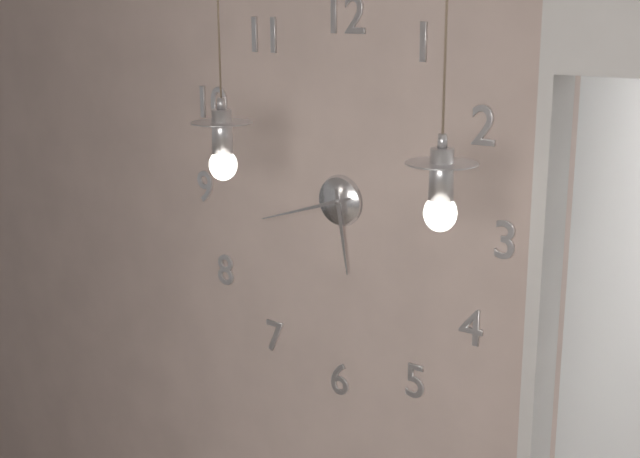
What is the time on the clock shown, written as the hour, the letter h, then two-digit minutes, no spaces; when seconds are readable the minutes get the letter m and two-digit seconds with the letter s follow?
5h42
